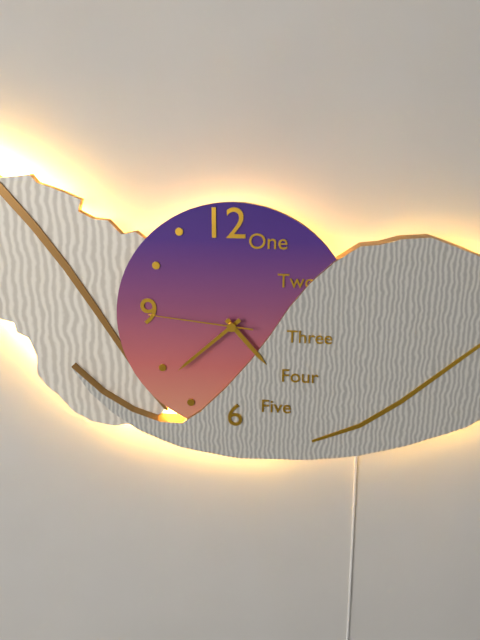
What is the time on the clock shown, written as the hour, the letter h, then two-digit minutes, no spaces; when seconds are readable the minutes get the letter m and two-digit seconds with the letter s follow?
4h38m46s
